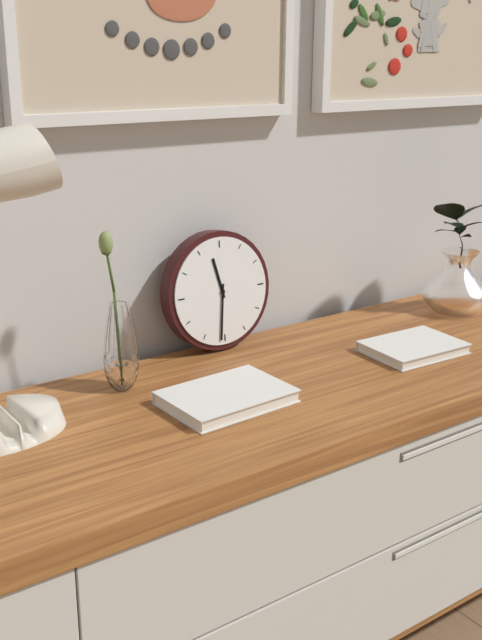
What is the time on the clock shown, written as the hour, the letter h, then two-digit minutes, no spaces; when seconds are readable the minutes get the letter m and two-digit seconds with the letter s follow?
11h31
